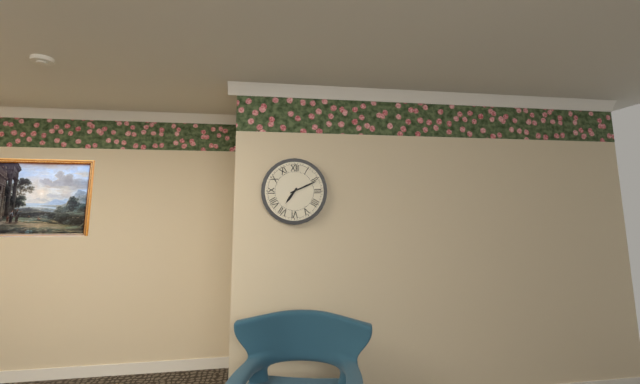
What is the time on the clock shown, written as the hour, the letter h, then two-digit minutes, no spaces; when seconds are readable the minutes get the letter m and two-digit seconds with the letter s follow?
7h11
